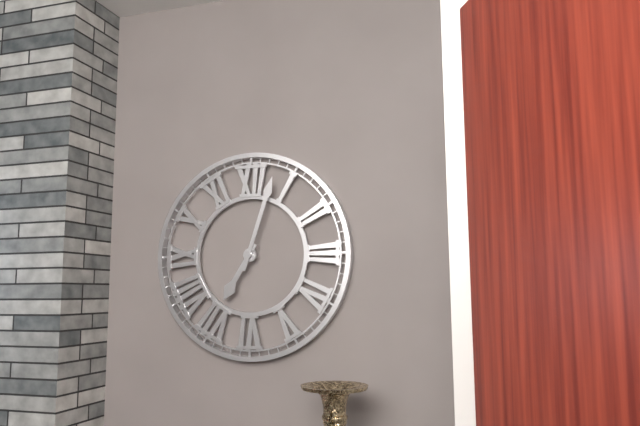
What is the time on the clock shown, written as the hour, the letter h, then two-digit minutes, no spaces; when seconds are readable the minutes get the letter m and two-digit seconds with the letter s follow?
7h03
